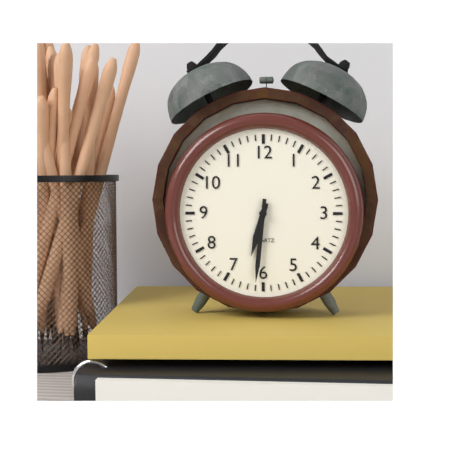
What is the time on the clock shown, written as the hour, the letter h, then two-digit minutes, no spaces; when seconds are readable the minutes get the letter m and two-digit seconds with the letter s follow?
6h31
